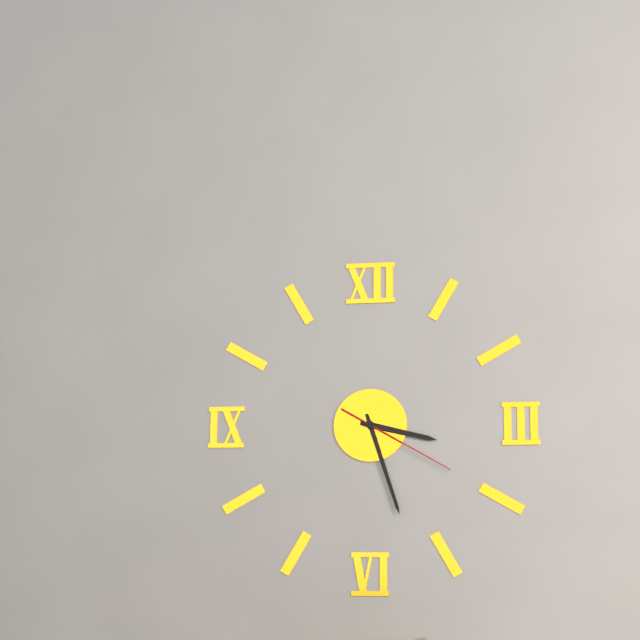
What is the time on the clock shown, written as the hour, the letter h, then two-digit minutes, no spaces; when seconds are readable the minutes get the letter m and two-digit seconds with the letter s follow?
3h27m20s
